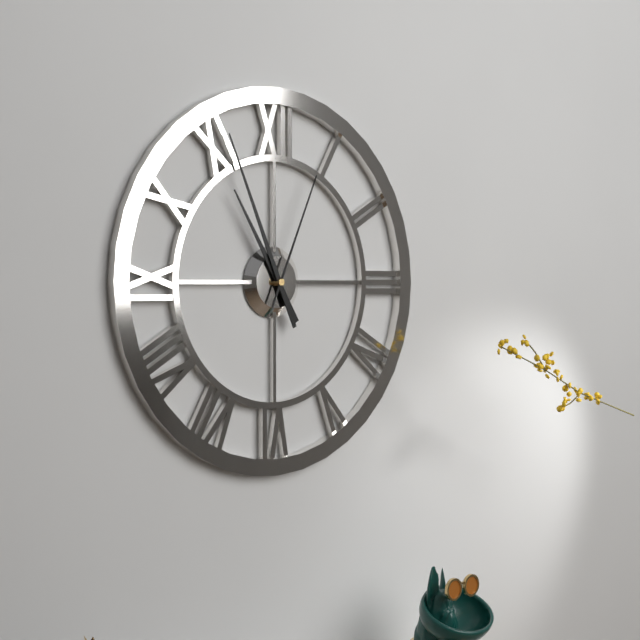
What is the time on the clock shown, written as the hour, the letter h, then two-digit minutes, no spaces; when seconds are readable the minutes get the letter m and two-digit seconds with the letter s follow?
10h56m04s
